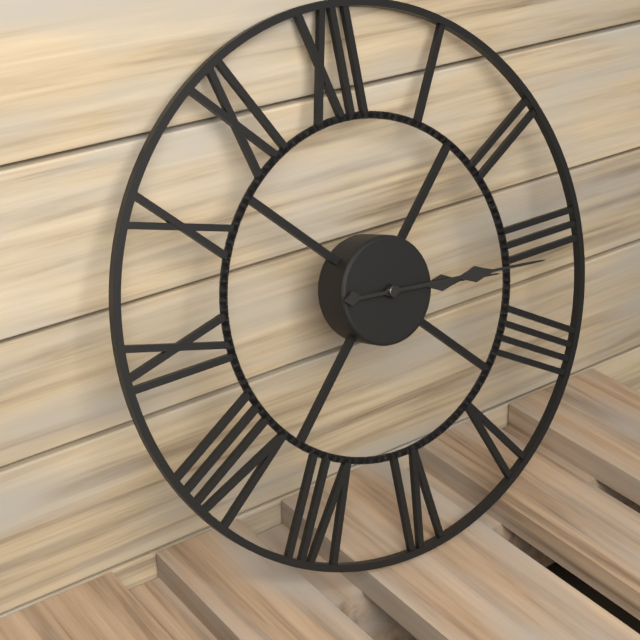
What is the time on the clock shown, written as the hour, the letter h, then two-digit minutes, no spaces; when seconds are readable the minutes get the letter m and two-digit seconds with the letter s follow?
3h16
